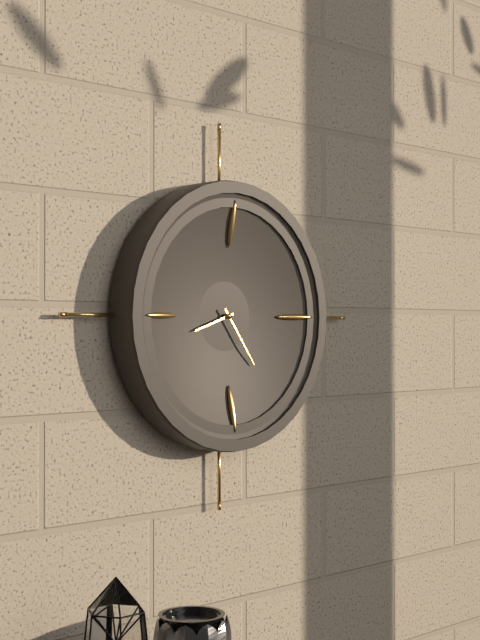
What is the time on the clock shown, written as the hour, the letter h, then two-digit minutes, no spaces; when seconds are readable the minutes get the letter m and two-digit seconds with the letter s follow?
8h24
